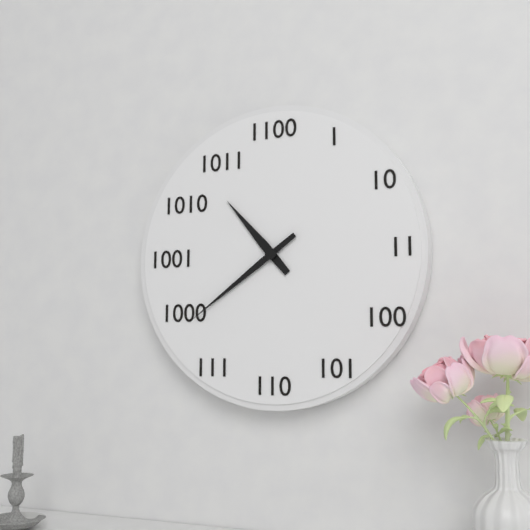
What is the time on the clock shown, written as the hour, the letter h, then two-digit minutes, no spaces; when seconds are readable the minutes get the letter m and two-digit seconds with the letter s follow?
10h39
